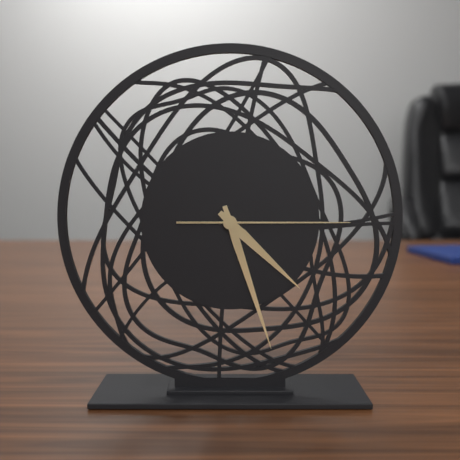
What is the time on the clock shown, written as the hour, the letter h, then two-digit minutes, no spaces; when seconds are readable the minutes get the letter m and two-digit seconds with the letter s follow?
4h27m15s
